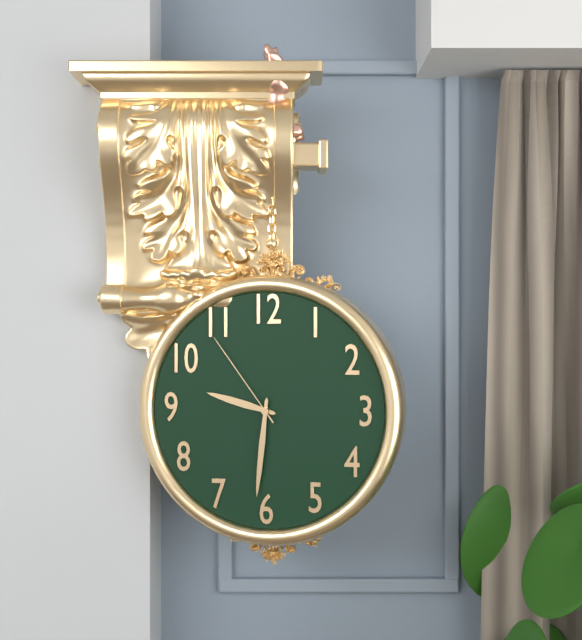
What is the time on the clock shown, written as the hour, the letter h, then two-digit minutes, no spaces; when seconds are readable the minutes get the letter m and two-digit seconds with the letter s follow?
9h31m54s
